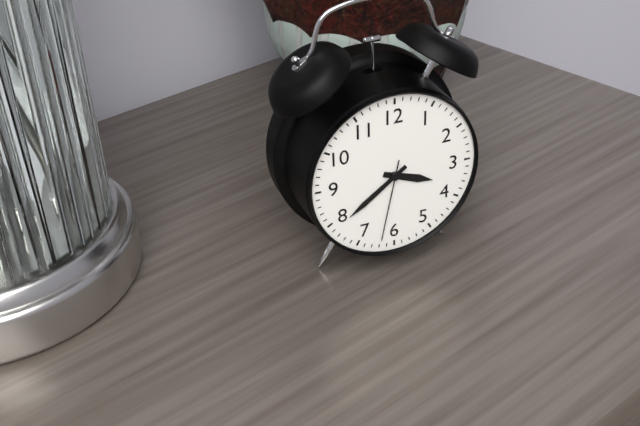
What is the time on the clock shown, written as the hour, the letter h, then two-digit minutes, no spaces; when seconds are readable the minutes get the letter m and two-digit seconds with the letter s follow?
3h39m32s
